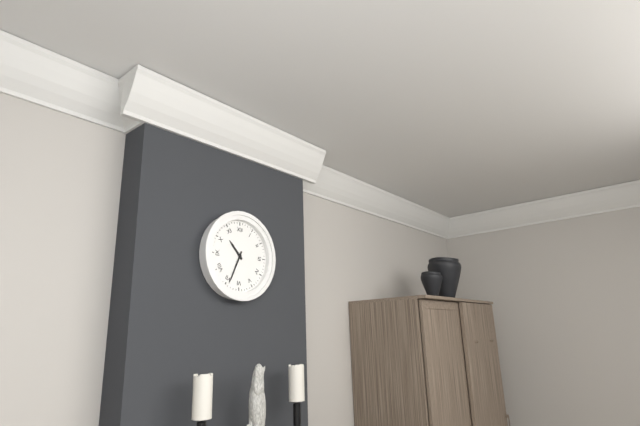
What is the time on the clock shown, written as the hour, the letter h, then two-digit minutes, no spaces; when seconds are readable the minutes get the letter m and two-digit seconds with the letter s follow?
10h34
